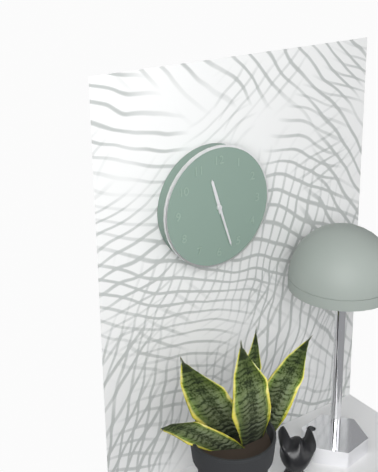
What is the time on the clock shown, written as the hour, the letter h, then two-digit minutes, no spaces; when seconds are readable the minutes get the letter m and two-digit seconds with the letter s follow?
11h27
